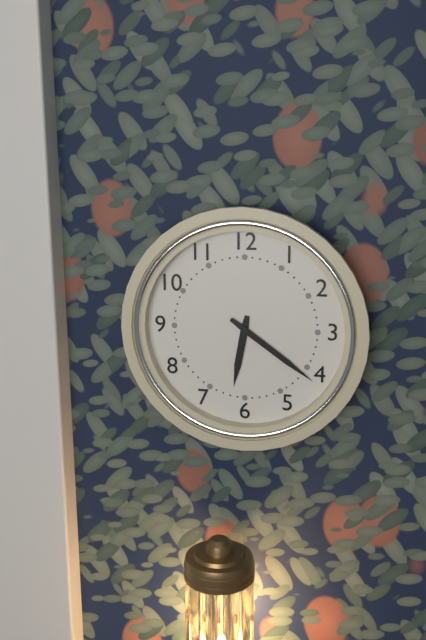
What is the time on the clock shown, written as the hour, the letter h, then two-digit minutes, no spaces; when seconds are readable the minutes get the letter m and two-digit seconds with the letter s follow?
6h21
